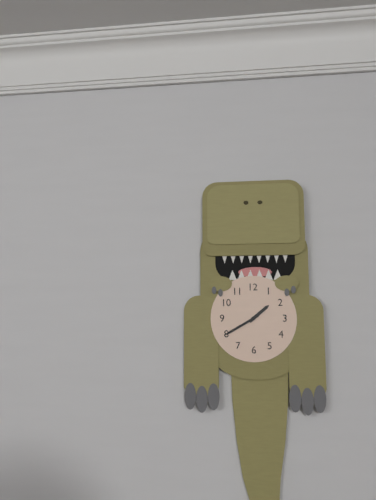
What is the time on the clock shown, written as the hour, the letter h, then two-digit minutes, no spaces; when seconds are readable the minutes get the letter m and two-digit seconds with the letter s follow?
1h40
